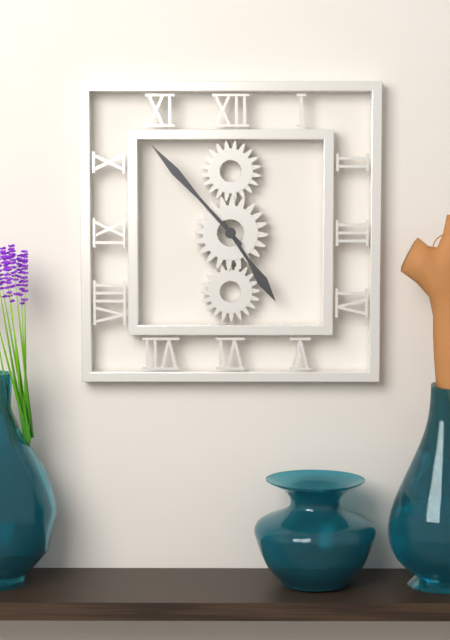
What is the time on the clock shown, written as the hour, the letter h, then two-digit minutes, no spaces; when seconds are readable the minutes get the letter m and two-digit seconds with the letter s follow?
4h53
